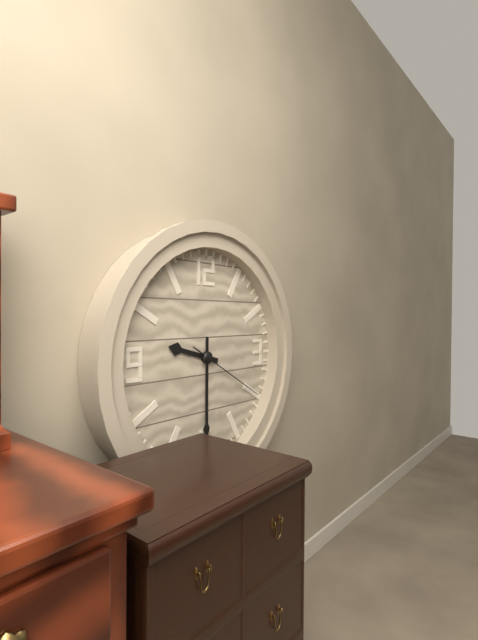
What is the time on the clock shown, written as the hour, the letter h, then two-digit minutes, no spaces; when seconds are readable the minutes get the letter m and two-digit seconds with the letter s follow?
9h30m20s
